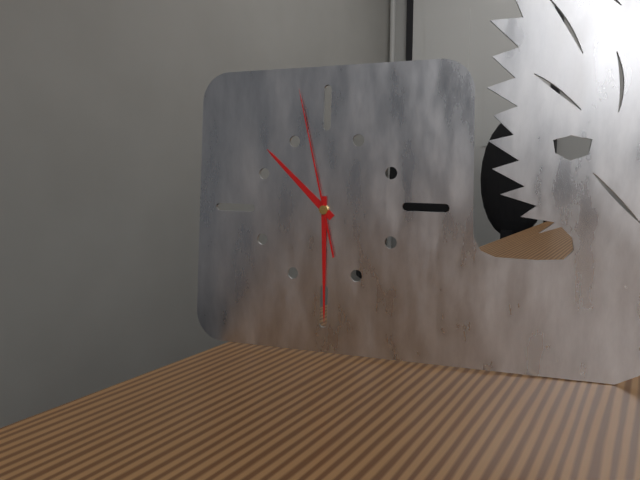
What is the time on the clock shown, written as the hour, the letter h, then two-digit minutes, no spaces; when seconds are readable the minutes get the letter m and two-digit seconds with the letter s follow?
10h30m58s
